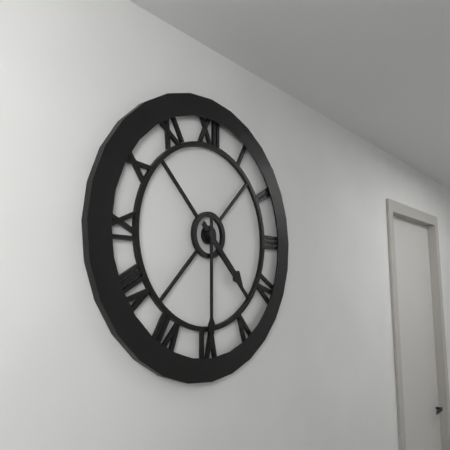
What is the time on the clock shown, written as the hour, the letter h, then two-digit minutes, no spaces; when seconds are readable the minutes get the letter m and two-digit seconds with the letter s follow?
4h30
